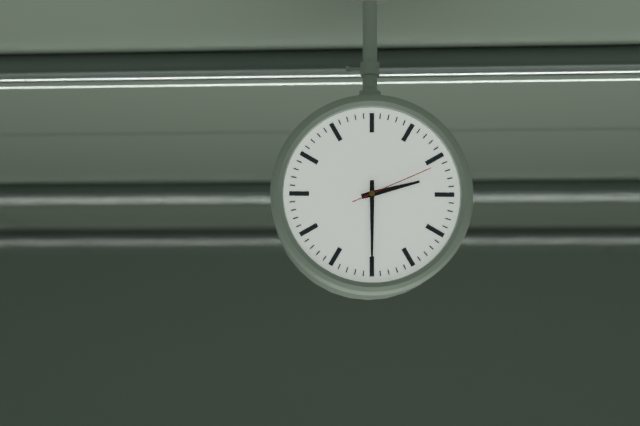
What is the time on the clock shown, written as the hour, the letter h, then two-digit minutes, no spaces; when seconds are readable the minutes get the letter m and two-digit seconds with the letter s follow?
2h30m11s
